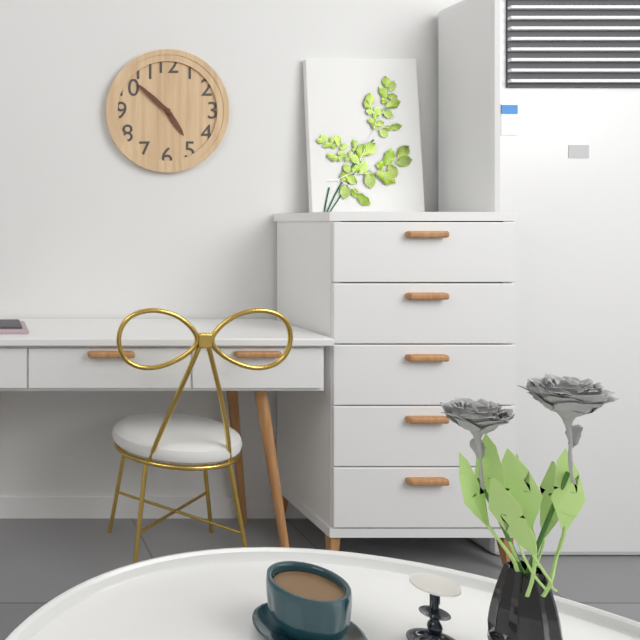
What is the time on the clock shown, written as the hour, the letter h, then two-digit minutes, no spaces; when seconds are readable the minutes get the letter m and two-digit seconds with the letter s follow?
4h52
